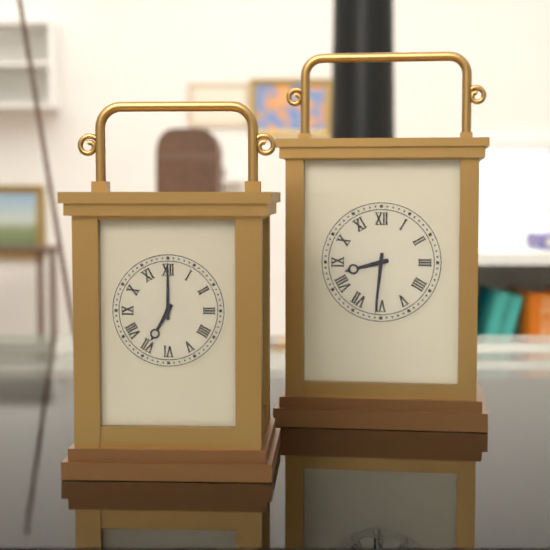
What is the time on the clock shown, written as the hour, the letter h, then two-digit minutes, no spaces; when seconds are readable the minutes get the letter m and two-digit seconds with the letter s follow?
8h31
